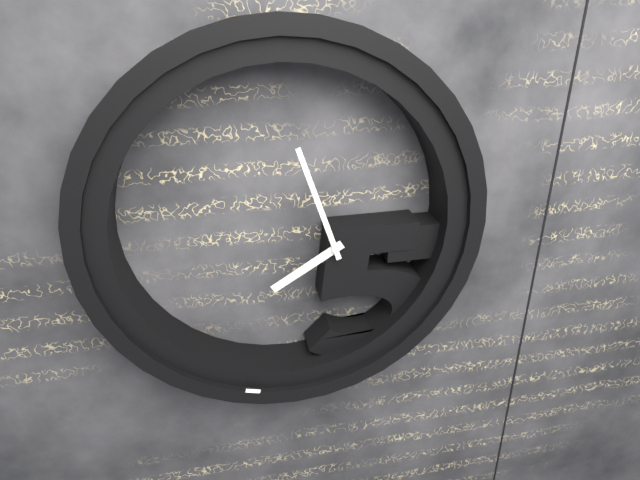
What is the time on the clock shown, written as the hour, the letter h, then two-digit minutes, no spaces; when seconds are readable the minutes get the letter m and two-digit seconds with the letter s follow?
7h57
